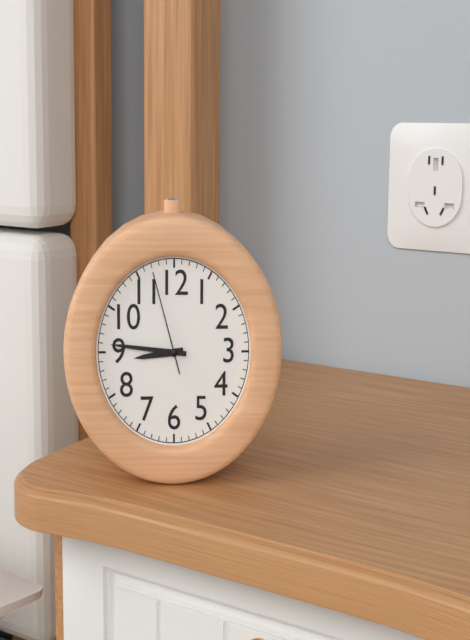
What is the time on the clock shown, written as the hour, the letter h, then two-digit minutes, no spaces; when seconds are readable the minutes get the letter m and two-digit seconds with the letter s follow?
8h46m57s
